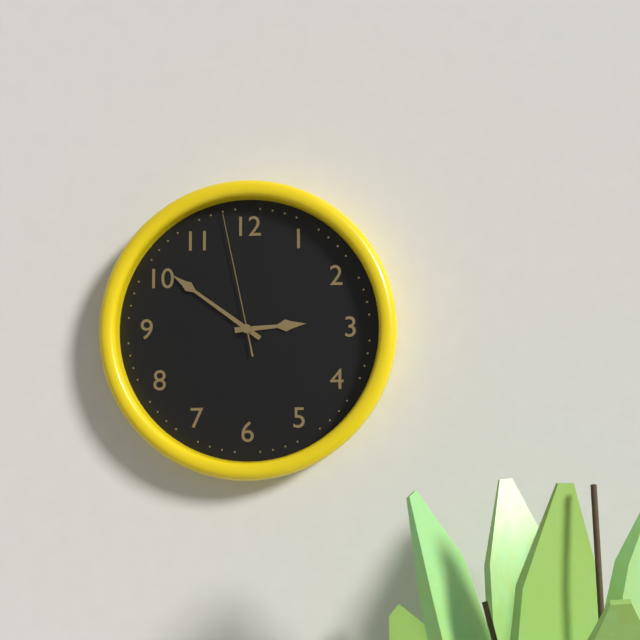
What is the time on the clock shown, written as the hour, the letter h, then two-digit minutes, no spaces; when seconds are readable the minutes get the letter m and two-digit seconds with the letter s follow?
2h51m58s
